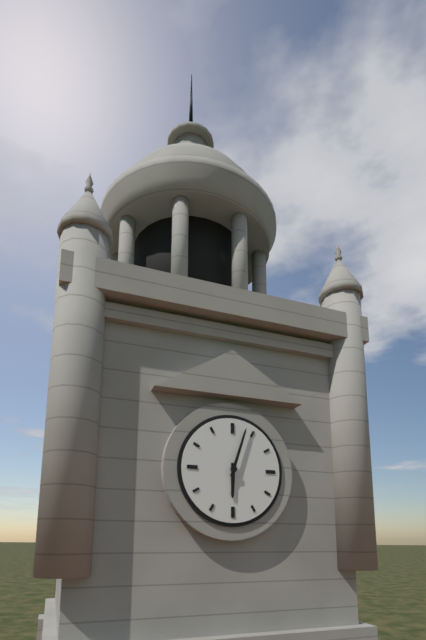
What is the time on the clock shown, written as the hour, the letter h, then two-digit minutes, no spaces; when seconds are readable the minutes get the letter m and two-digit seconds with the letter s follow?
6h03
